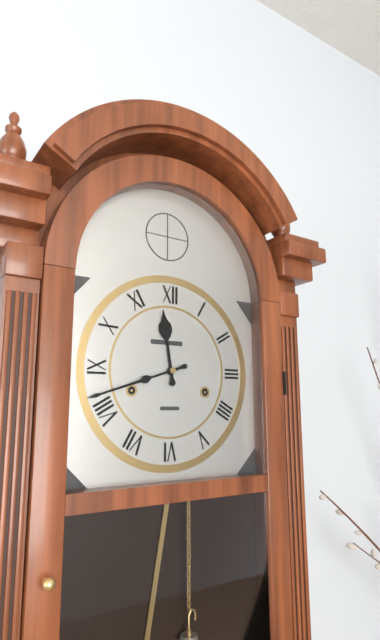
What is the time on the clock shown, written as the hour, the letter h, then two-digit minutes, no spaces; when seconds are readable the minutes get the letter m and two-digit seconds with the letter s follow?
11h42
